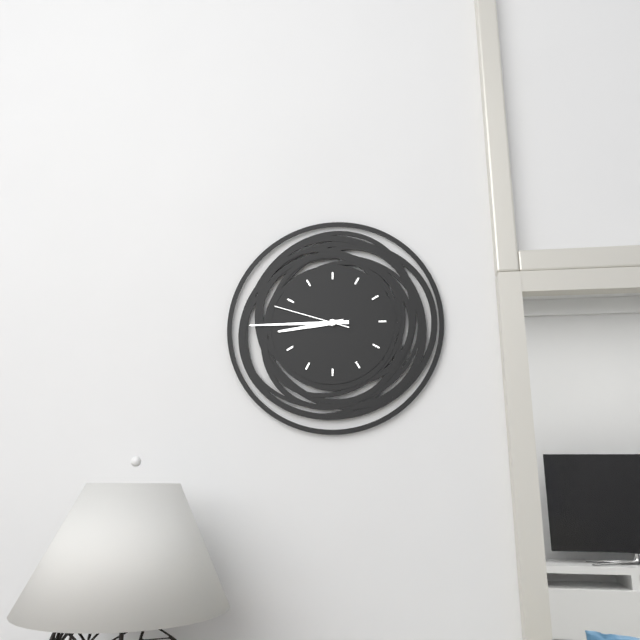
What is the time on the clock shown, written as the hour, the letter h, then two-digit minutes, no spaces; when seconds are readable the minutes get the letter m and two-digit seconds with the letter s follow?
8h45m48s
